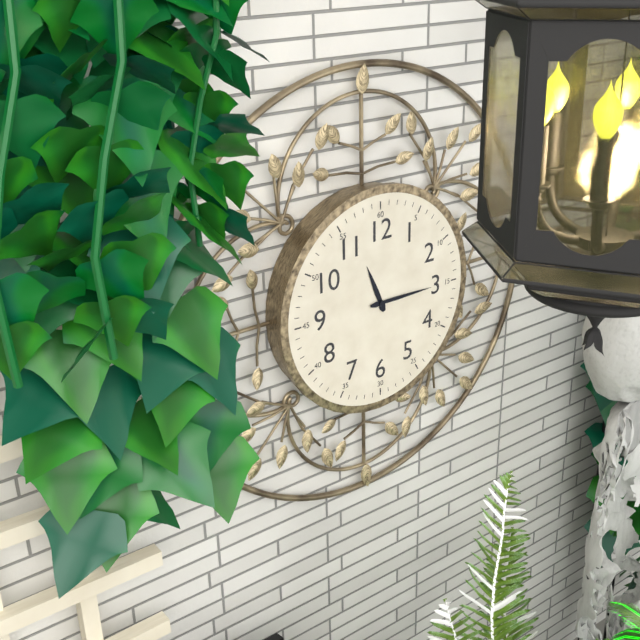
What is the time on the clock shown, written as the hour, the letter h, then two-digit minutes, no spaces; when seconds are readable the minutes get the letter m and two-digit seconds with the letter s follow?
11h15
